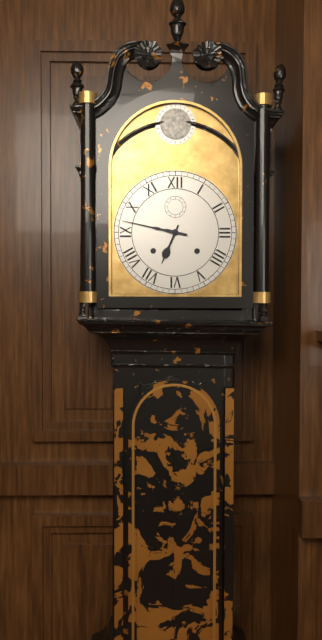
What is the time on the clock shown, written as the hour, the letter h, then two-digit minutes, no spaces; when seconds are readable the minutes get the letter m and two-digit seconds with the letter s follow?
6h47
